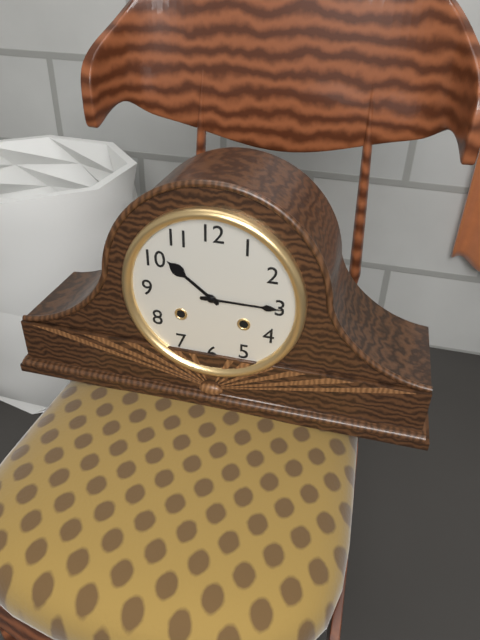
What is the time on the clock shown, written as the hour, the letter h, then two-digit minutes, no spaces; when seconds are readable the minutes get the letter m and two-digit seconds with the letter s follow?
10h15
